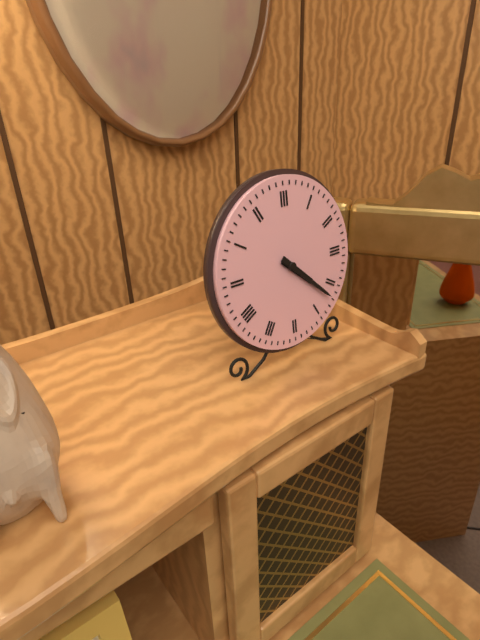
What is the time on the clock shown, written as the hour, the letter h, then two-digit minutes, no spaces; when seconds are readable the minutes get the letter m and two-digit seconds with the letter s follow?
4h22
